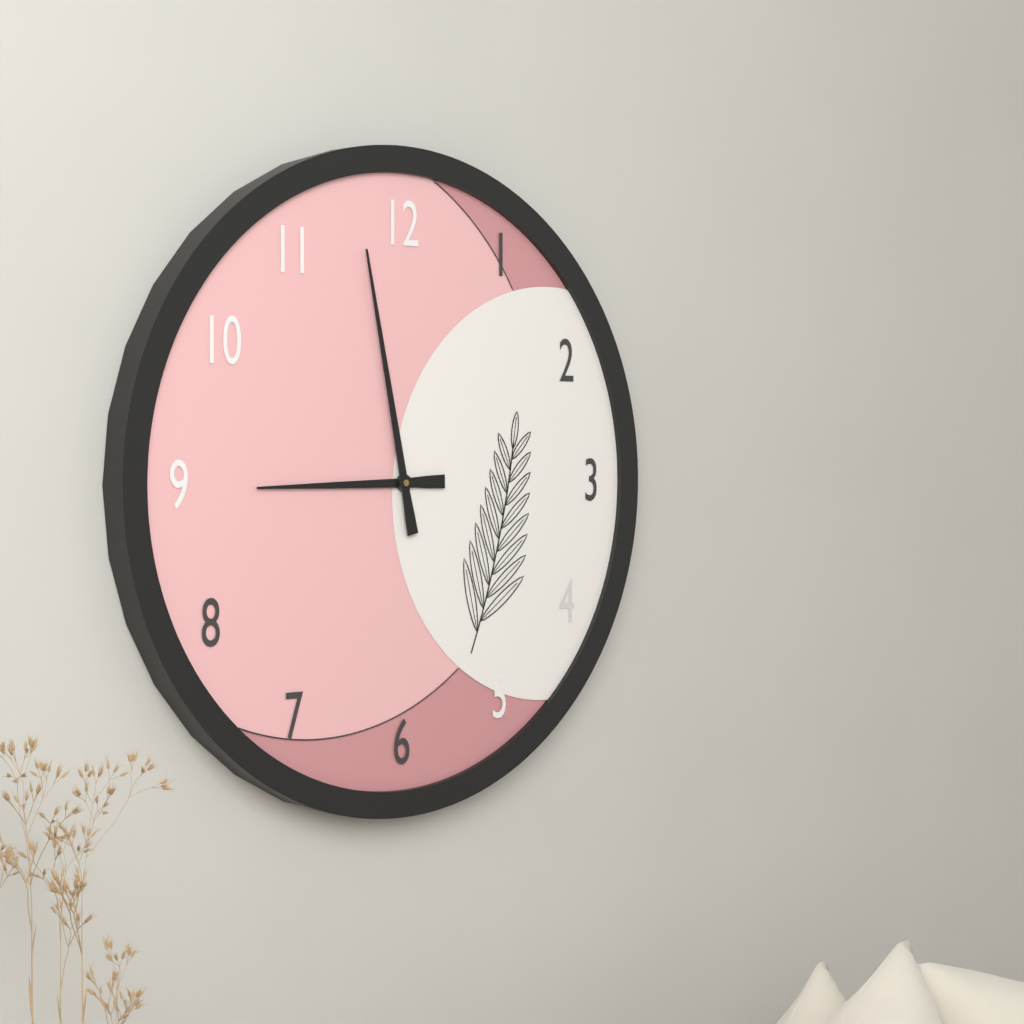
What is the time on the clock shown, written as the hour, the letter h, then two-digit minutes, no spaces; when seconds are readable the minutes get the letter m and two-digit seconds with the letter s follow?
8h58
